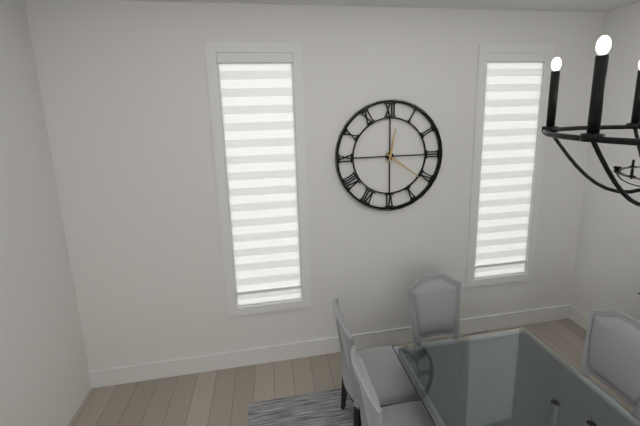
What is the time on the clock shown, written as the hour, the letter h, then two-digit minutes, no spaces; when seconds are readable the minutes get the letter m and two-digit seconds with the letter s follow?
12h21
